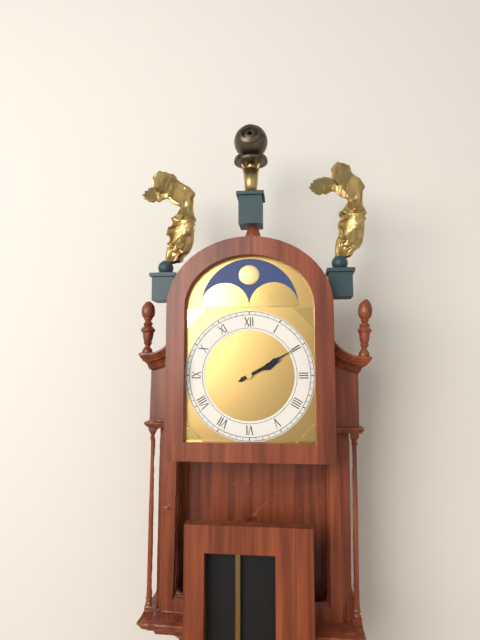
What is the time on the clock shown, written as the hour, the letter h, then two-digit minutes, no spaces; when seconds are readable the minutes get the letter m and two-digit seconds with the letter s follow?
2h10
